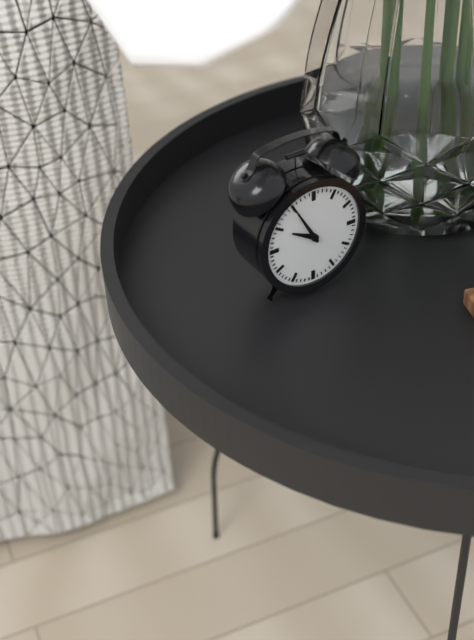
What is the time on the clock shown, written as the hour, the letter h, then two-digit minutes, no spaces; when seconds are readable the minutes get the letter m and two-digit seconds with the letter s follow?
9h55
